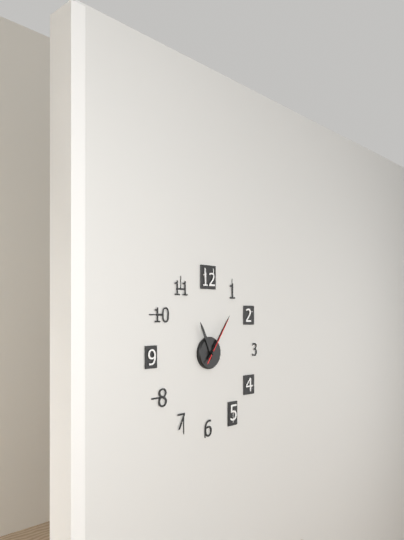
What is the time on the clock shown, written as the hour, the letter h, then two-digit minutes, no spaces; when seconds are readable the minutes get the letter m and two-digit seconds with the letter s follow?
11h06m06s
